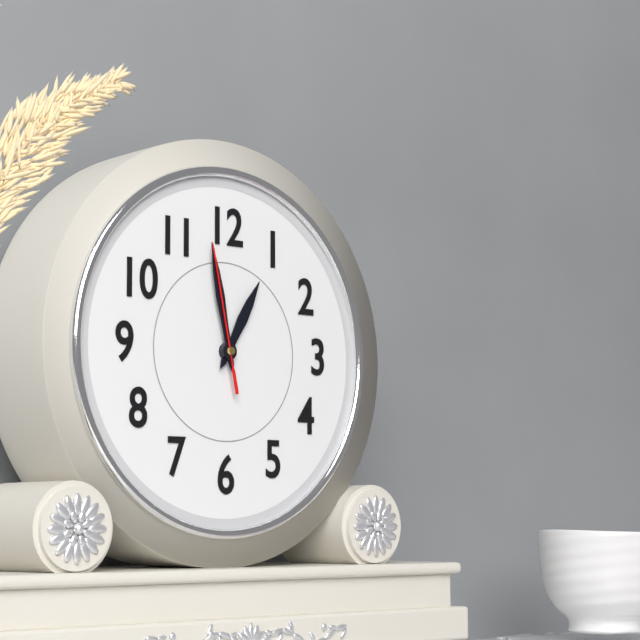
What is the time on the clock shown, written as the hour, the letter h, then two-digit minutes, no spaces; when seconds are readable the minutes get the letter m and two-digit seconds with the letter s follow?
12h58m58s
